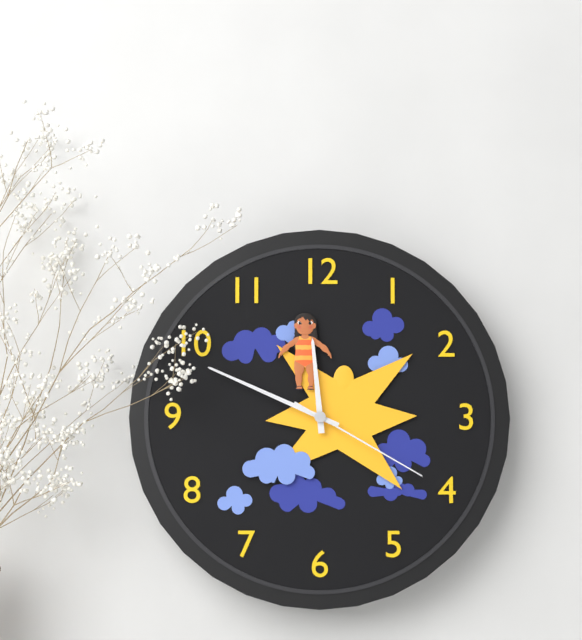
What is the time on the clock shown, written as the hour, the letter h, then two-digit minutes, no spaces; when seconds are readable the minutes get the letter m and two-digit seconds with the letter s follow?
11h49m20s
